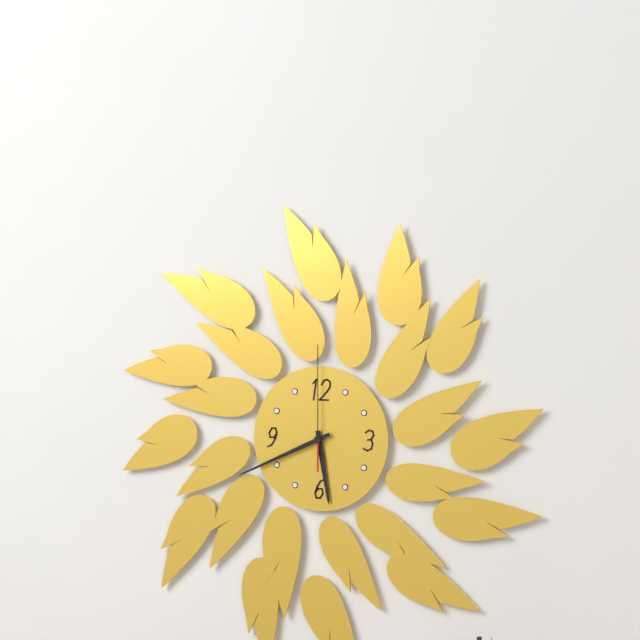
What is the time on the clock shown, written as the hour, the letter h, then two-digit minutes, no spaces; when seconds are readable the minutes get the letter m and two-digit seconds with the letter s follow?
5h41m00s
